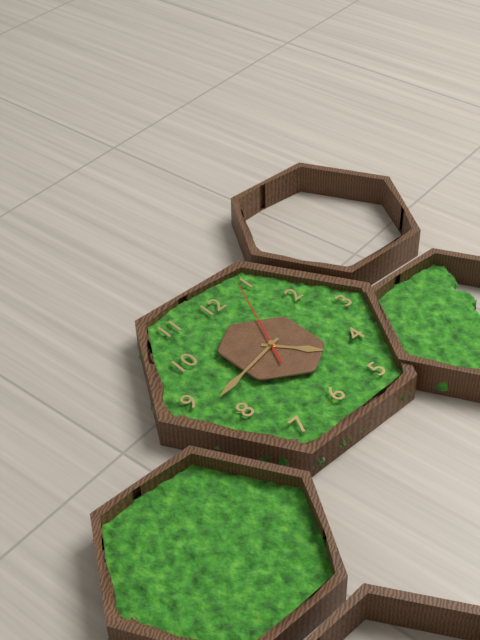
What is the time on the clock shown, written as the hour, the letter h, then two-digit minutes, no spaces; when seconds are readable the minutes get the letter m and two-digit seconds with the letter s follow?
4h43m04s
